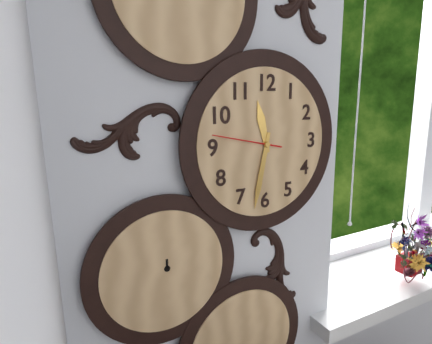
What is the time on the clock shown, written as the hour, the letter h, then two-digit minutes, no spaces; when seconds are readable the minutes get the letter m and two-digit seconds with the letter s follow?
11h32m47s
